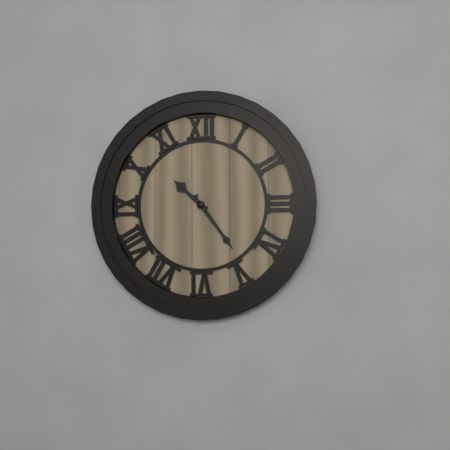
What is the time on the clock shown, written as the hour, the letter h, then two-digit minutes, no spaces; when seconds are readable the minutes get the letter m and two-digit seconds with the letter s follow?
10h24
